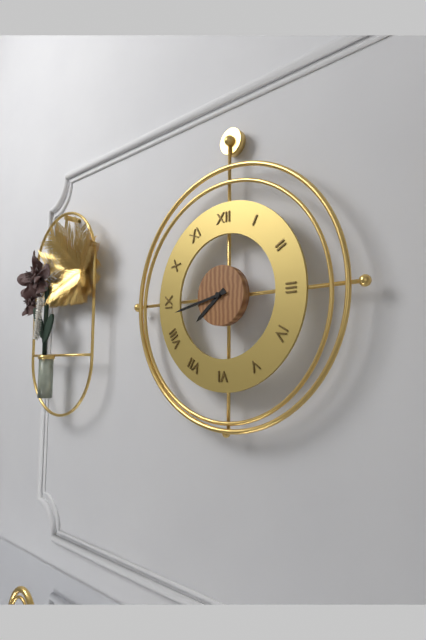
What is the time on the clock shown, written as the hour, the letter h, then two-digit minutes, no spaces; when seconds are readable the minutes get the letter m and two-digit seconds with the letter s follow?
7h43
